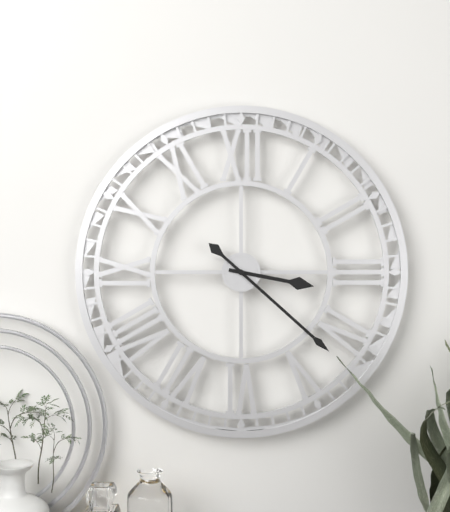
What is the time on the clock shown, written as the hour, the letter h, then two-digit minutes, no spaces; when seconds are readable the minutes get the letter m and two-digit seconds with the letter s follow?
3h22
